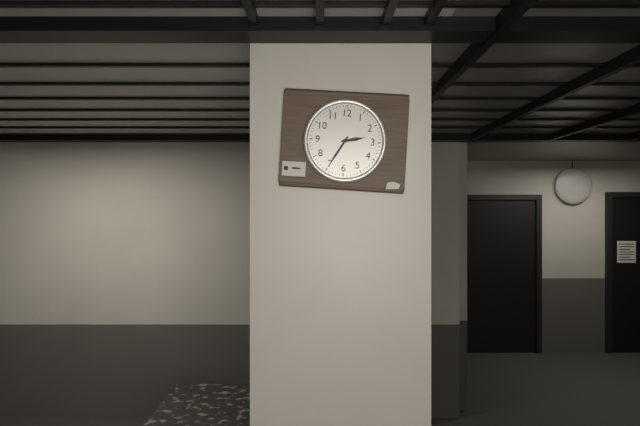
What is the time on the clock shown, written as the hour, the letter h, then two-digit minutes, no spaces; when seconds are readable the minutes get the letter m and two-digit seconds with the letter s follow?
2h35
